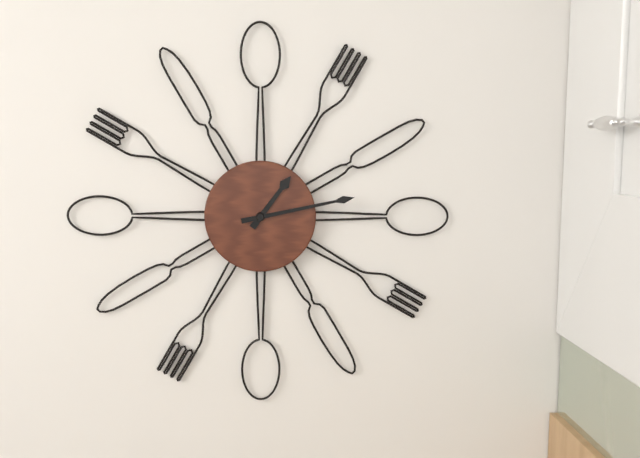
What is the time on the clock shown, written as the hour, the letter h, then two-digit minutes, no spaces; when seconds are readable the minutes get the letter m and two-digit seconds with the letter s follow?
1h13
